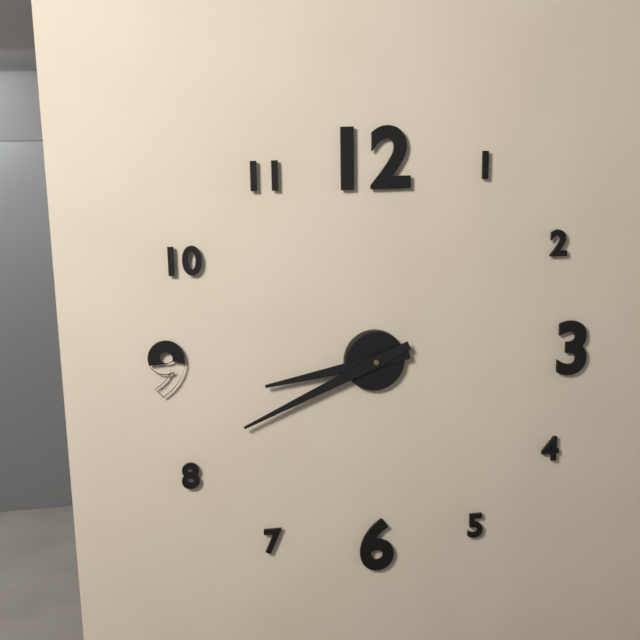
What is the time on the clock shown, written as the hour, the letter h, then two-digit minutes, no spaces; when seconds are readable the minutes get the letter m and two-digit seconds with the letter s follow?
8h41
